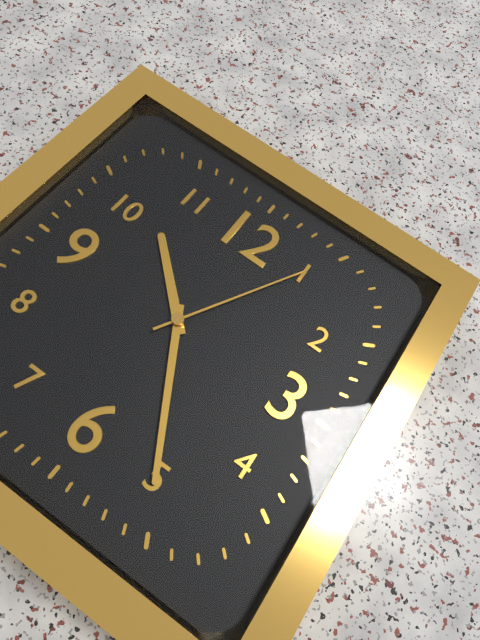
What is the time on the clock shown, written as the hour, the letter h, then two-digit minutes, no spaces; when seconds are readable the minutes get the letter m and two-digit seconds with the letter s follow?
10h25m05s
